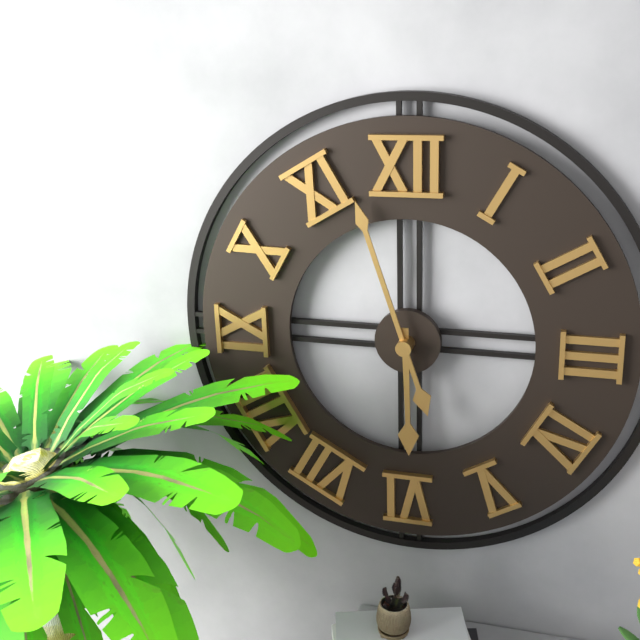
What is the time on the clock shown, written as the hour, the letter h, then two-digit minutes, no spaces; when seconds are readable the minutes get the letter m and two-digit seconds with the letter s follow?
5h57
